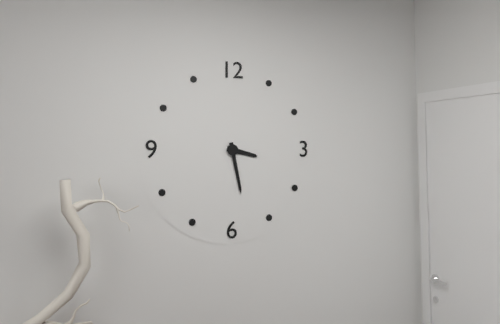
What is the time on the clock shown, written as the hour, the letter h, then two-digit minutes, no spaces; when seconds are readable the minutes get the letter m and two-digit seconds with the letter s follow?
3h28
